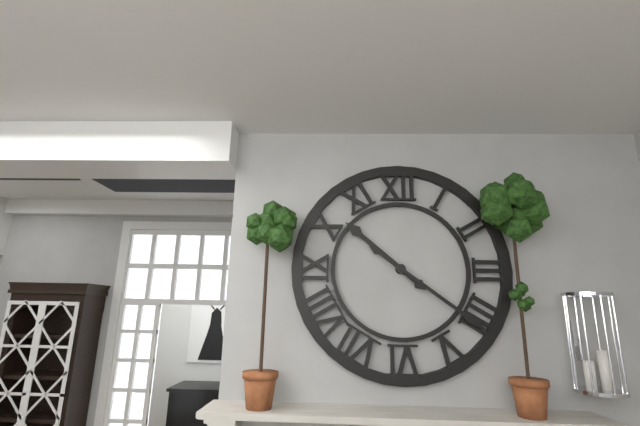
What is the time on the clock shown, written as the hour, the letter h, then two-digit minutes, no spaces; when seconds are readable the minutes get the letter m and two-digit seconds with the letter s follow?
10h21
